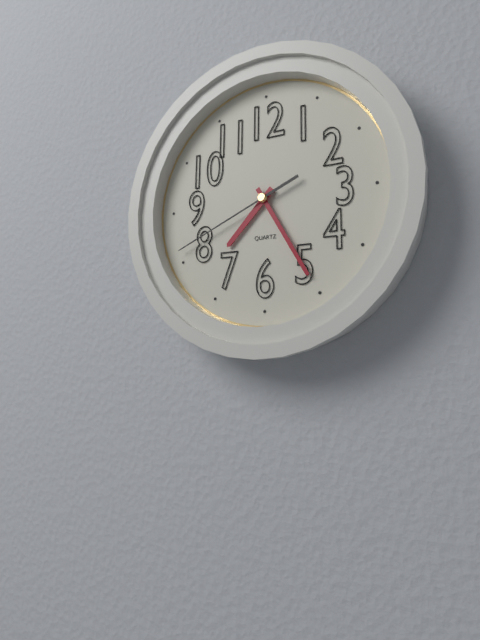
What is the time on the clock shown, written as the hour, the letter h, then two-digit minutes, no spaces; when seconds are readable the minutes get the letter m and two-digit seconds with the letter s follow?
7h25m41s
